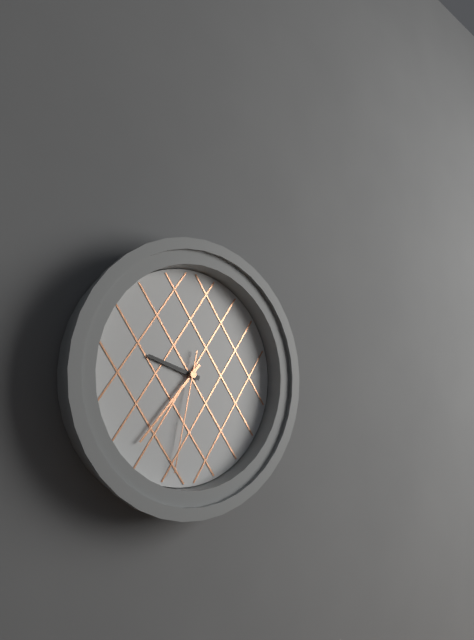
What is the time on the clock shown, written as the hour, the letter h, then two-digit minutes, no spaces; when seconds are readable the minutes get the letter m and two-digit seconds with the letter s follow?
9h37m32s
